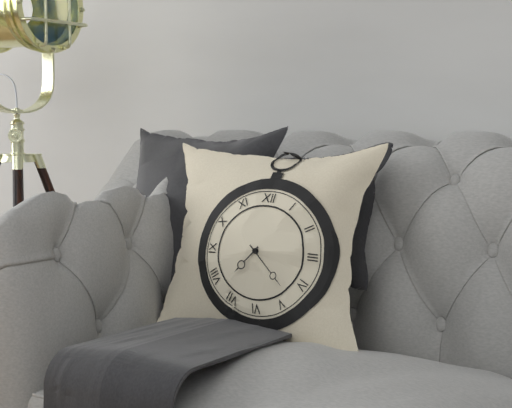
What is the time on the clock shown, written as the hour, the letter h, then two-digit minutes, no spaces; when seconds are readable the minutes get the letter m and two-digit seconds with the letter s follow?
7h22
